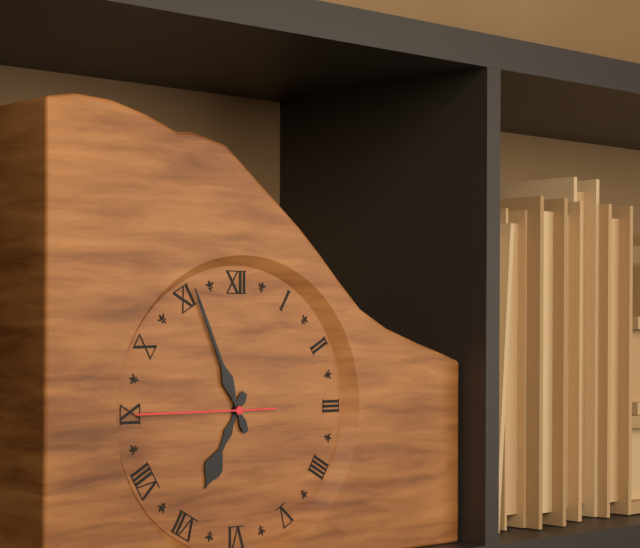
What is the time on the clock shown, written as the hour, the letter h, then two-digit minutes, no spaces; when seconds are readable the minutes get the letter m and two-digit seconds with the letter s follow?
6h56m45s
